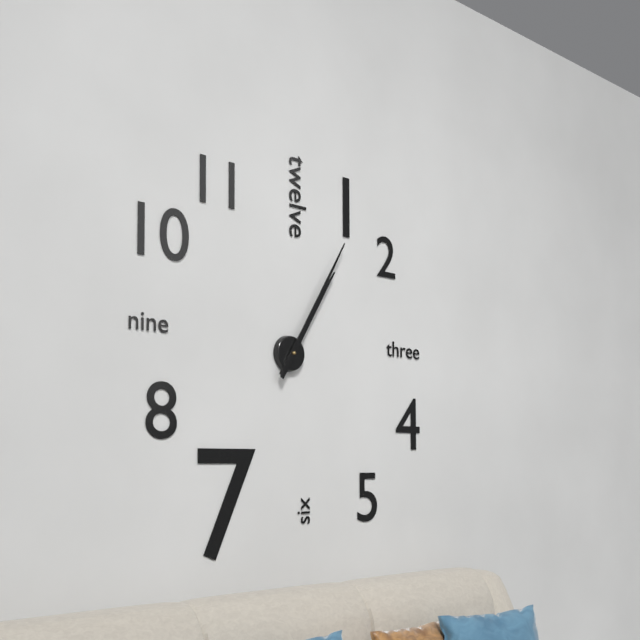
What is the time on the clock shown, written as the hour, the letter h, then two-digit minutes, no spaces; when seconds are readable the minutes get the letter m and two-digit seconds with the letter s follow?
1h05
